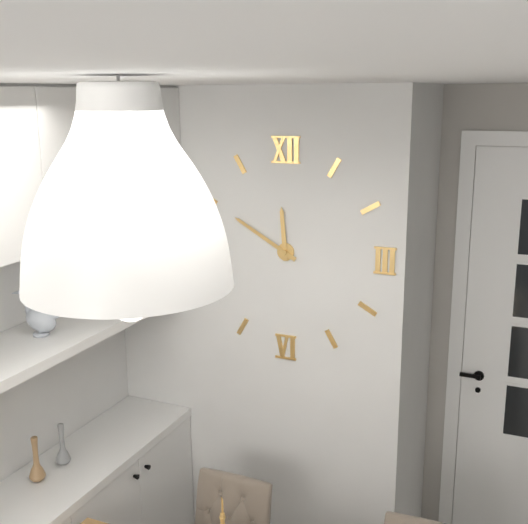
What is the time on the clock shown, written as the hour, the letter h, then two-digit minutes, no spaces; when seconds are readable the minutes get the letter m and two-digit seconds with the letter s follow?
11h50
